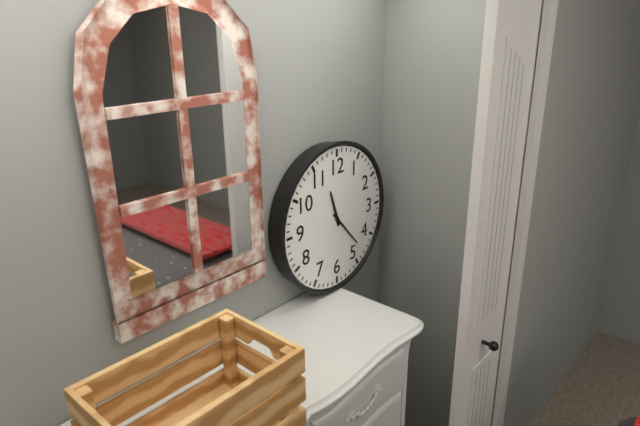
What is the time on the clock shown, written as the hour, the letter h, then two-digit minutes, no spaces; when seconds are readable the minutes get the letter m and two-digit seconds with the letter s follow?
11h23
